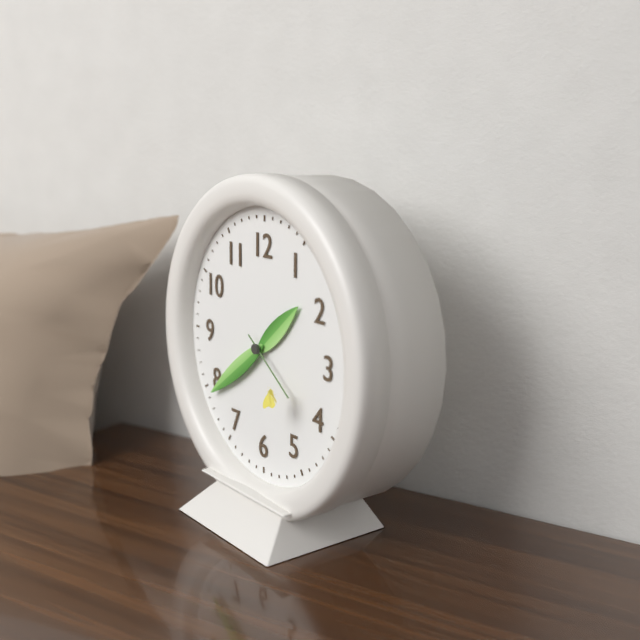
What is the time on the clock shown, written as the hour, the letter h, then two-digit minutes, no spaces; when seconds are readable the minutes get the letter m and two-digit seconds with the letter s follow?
1h39m21s
